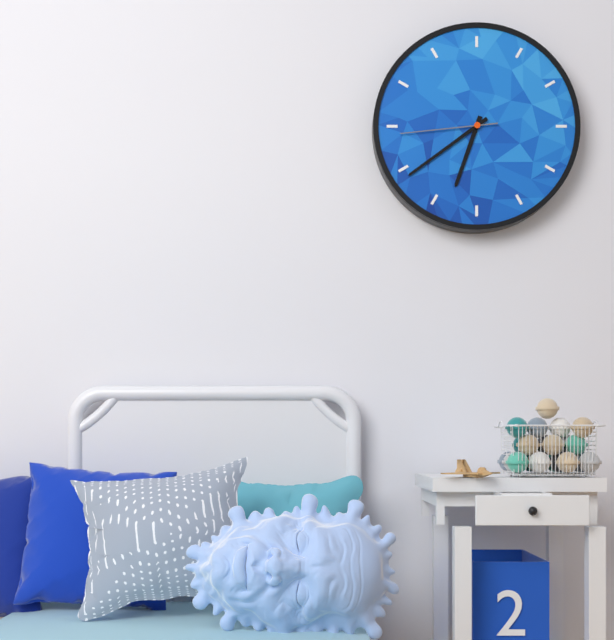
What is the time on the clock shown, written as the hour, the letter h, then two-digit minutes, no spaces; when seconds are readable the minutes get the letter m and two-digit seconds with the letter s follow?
6h39m44s
